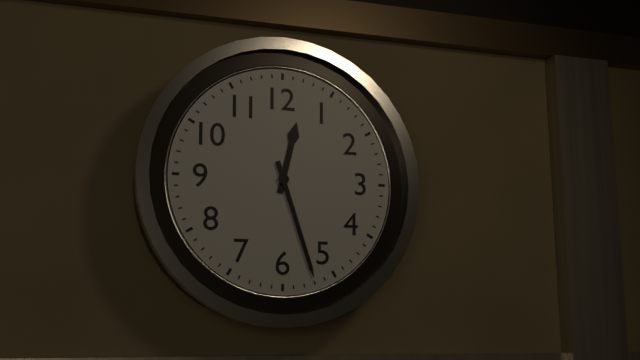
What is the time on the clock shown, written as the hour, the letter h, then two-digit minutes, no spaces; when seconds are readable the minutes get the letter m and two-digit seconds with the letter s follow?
12h27
